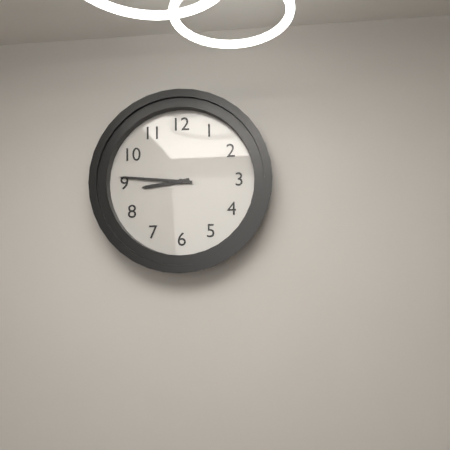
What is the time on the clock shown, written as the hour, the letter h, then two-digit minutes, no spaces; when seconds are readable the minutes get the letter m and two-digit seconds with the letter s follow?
8h46
